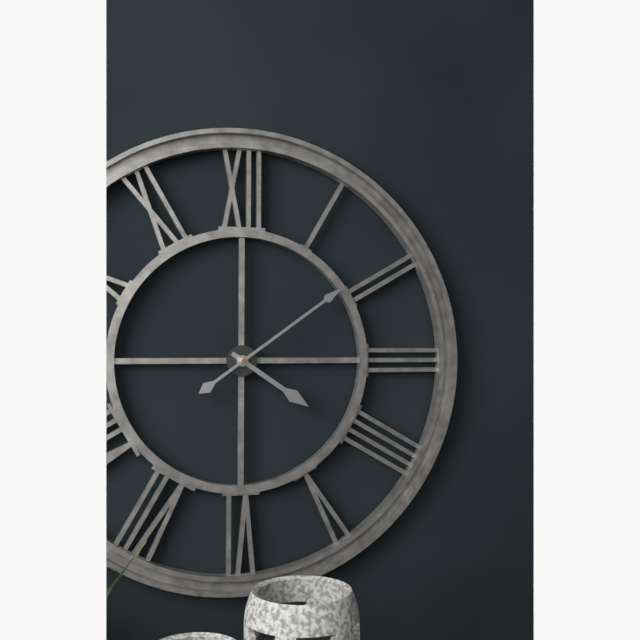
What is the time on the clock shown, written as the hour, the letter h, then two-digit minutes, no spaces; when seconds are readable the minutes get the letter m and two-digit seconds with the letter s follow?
4h09
